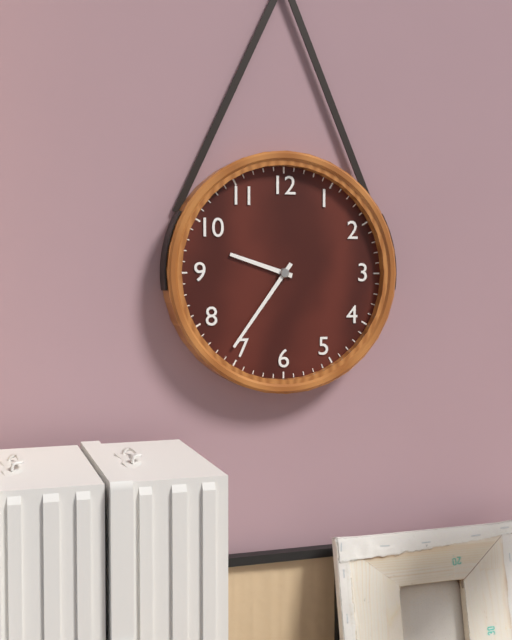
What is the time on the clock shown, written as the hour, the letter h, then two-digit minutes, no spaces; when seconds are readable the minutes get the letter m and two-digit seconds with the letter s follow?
9h36
